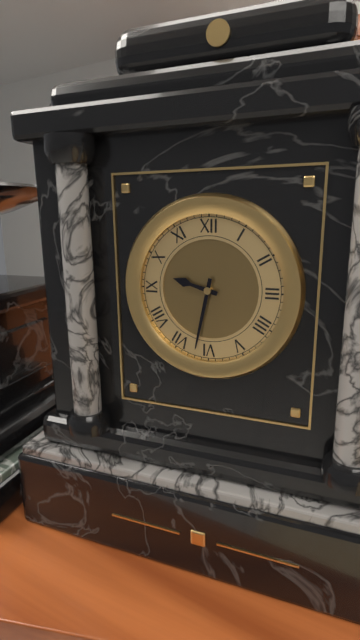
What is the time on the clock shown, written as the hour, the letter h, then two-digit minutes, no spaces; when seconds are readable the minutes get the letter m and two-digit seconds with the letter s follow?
9h32
